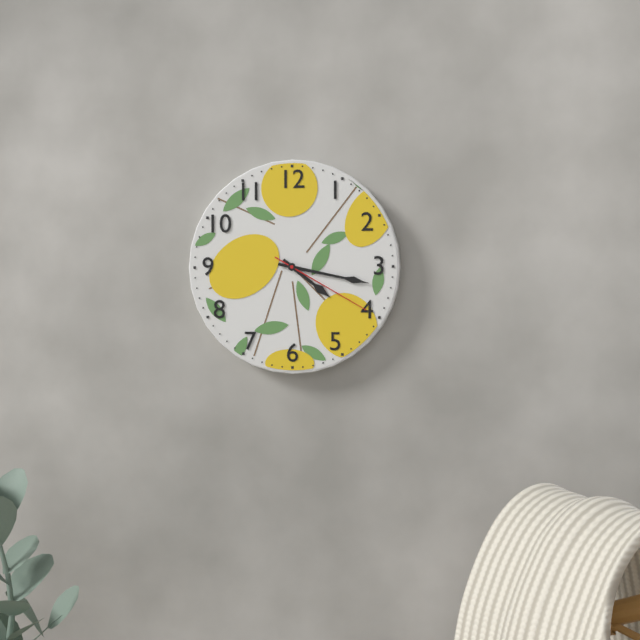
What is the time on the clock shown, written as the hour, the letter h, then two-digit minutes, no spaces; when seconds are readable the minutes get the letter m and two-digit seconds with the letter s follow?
4h17m20s
